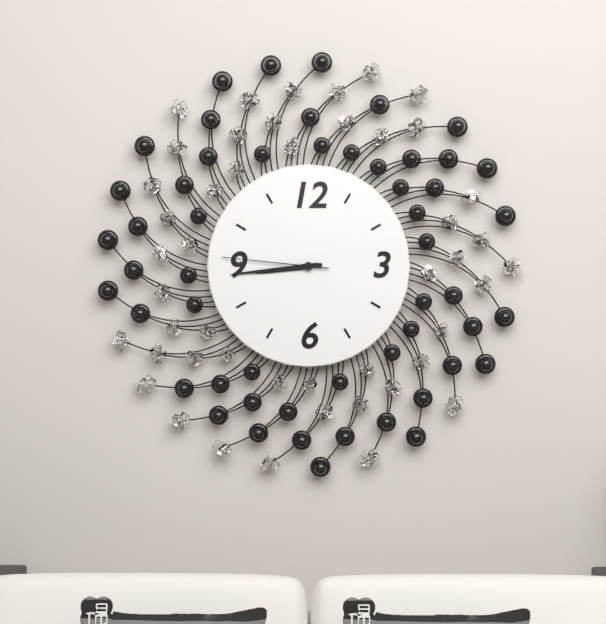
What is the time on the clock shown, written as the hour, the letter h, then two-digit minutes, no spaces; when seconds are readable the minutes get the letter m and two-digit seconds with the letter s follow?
8h44m46s
